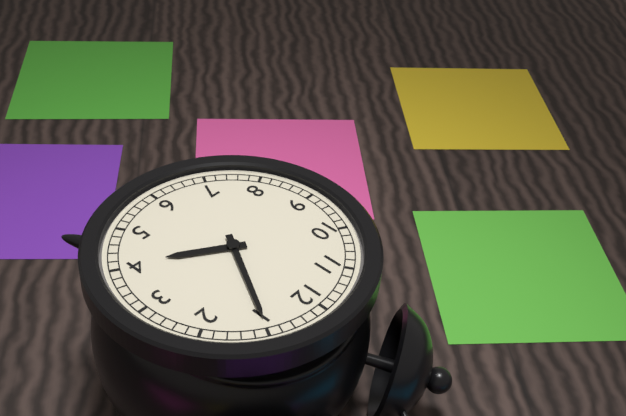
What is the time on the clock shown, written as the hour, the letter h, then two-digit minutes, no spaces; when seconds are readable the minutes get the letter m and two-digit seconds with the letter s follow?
4h05
